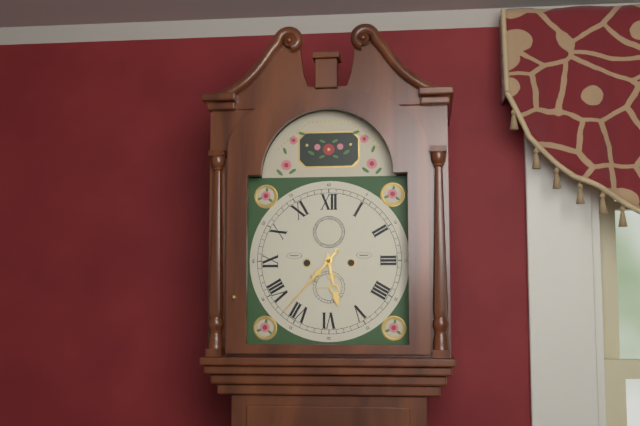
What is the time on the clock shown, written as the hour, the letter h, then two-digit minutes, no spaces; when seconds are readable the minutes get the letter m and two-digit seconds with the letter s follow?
5h37
